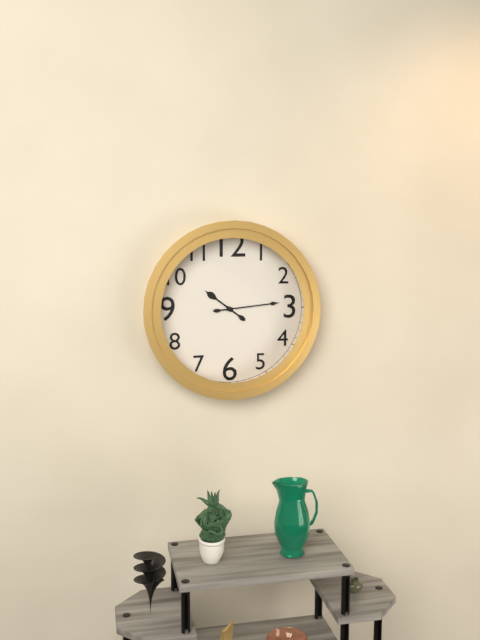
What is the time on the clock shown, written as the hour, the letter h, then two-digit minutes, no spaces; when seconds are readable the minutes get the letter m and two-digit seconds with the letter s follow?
10h14
